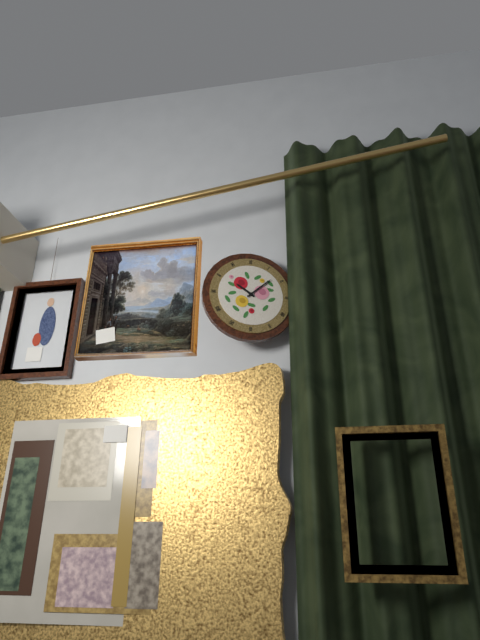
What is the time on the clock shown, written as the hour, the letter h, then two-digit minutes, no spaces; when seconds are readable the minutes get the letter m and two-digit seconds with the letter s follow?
10h08
